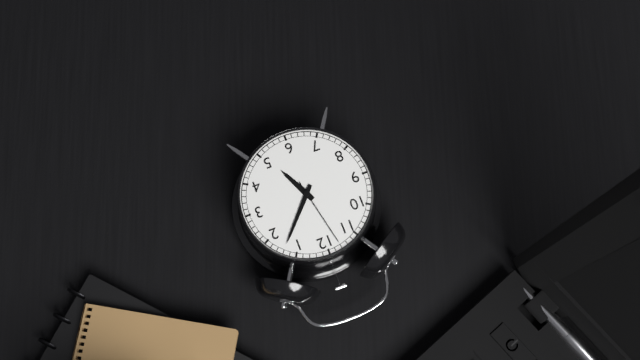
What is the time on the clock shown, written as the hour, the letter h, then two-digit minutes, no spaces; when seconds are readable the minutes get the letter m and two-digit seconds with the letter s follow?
5h07m58s
